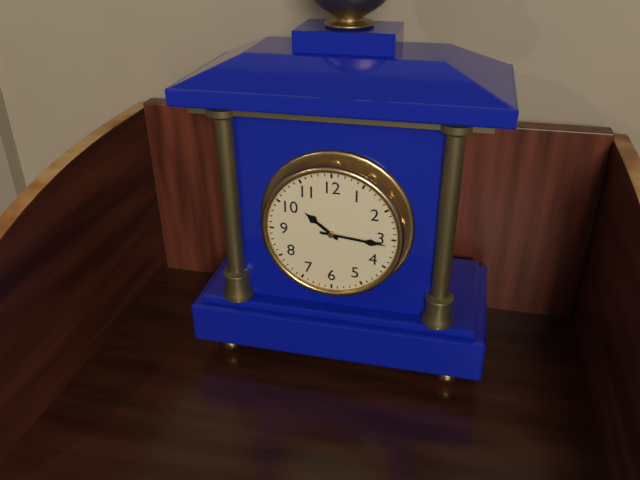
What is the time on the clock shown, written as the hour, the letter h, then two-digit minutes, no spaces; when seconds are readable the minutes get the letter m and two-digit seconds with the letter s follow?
10h16
